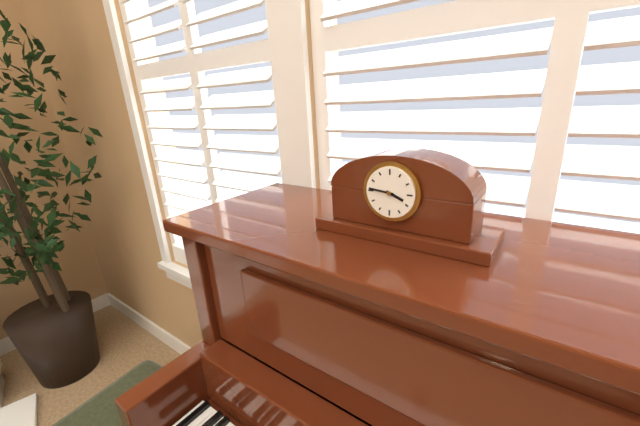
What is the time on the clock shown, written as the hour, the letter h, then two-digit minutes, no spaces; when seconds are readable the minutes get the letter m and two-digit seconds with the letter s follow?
3h46
